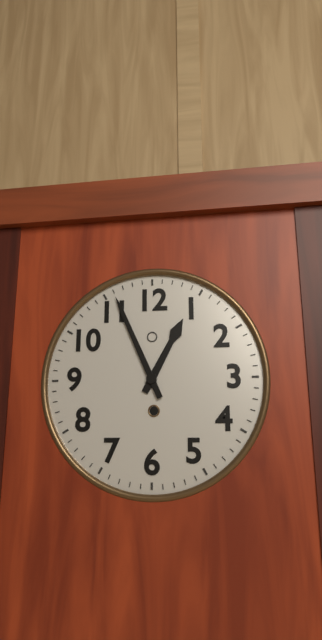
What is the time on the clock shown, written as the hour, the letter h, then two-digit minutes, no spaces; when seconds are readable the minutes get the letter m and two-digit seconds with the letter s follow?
12h56
